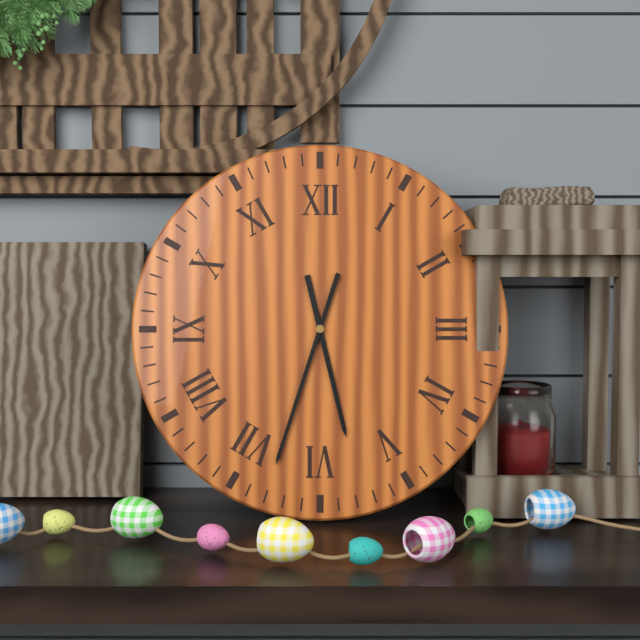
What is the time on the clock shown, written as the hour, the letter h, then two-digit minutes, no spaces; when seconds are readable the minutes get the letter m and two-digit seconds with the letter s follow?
5h33
